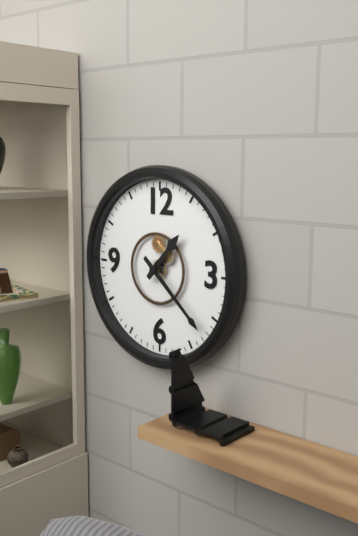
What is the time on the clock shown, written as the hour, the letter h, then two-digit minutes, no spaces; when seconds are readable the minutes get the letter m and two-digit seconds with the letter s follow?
1h22
